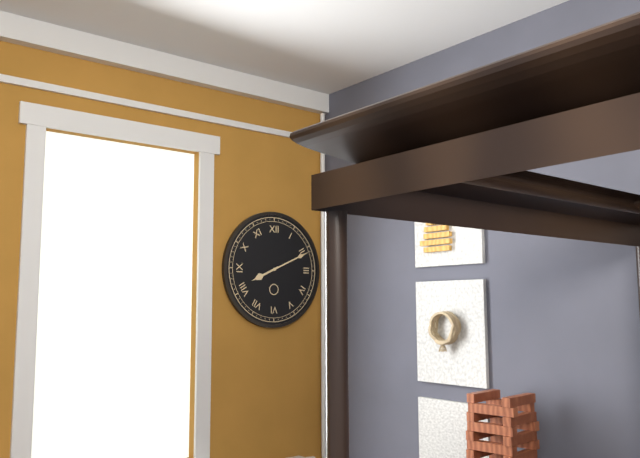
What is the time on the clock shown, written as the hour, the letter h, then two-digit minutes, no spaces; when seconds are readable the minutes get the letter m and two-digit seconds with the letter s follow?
8h11
